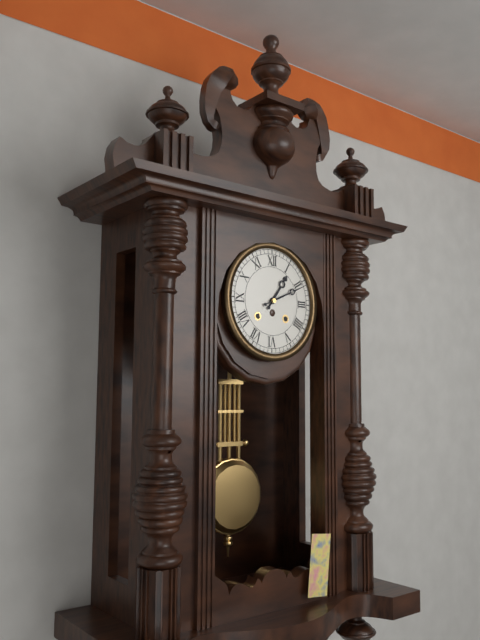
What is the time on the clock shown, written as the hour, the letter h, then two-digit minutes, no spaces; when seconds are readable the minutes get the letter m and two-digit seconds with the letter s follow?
1h11
